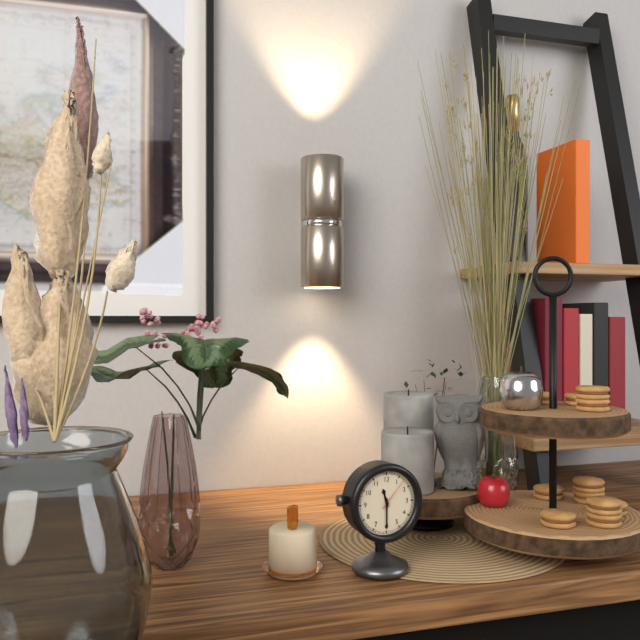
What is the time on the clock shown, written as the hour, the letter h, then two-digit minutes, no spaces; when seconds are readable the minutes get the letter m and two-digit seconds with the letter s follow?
11h30
